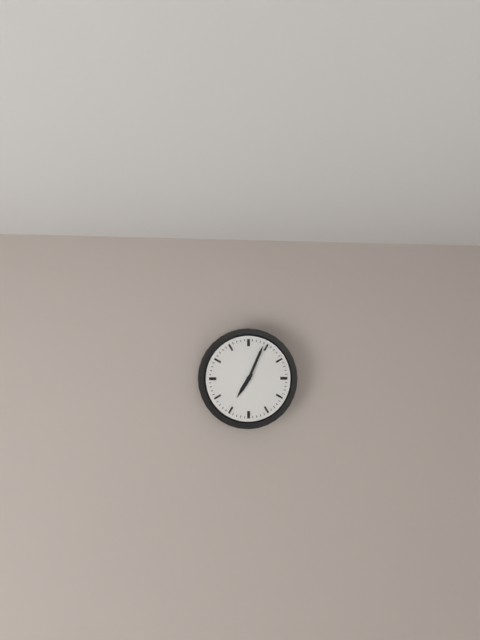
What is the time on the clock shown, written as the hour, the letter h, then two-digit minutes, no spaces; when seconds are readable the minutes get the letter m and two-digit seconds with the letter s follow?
7h04
